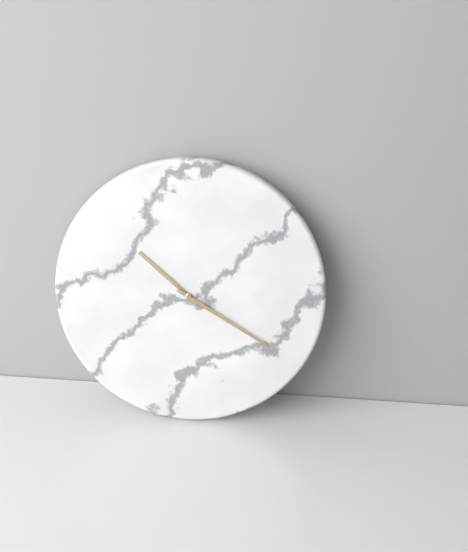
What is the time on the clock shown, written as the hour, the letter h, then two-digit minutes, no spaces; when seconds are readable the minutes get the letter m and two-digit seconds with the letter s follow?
10h20
